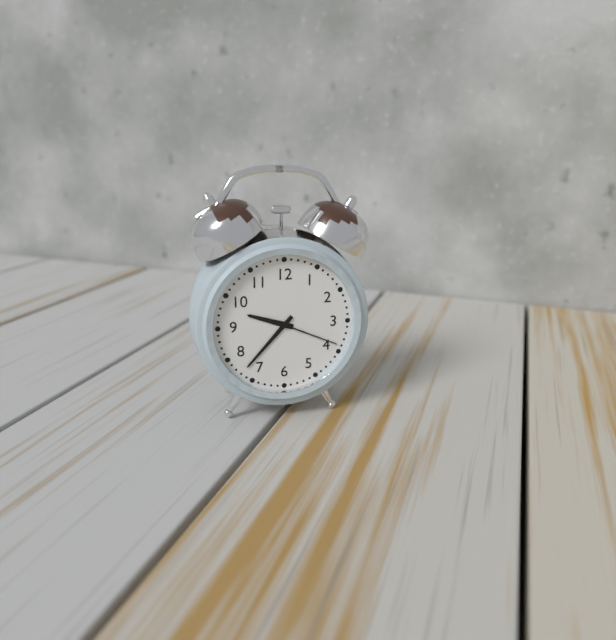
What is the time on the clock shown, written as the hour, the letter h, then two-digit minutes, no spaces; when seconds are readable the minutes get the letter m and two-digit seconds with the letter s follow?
9h37m19s
